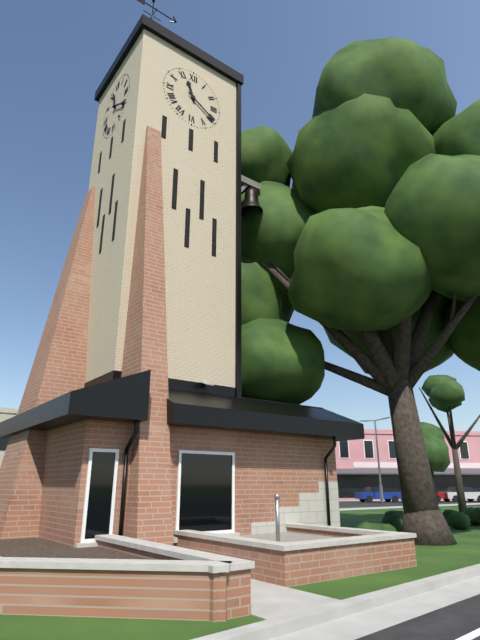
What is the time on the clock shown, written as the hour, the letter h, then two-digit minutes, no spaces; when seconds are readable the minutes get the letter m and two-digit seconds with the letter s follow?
11h20
